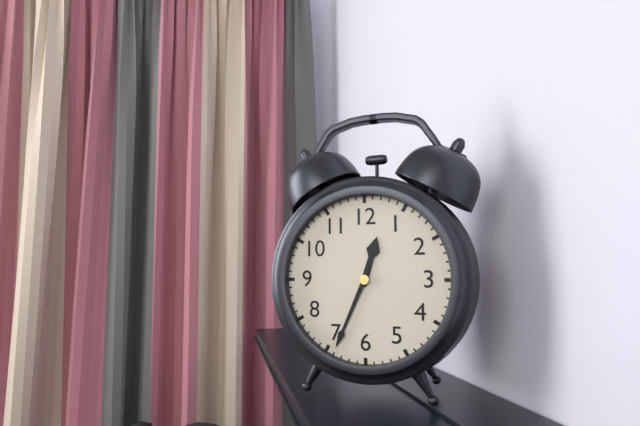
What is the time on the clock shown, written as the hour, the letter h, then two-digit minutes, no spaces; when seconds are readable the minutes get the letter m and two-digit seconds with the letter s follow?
12h34
